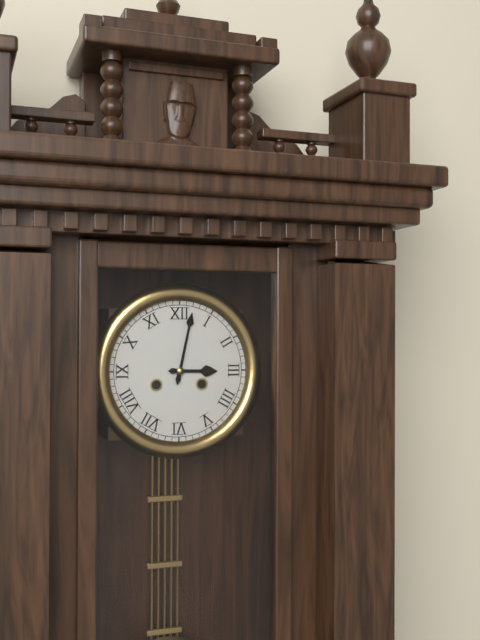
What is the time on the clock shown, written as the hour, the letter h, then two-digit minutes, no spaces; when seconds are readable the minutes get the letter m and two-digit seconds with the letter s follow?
3h02
